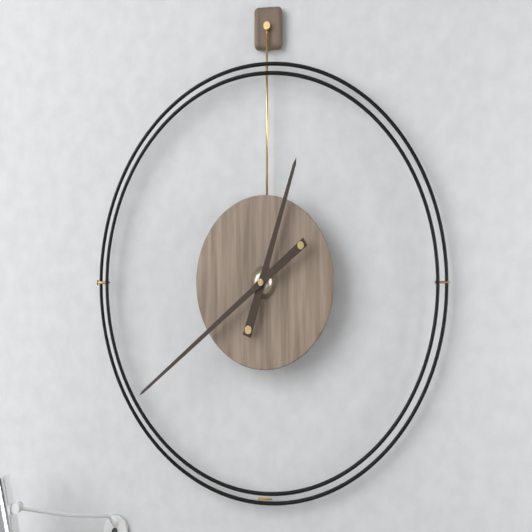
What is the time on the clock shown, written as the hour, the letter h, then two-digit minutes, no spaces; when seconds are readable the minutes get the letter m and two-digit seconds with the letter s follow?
12h39
